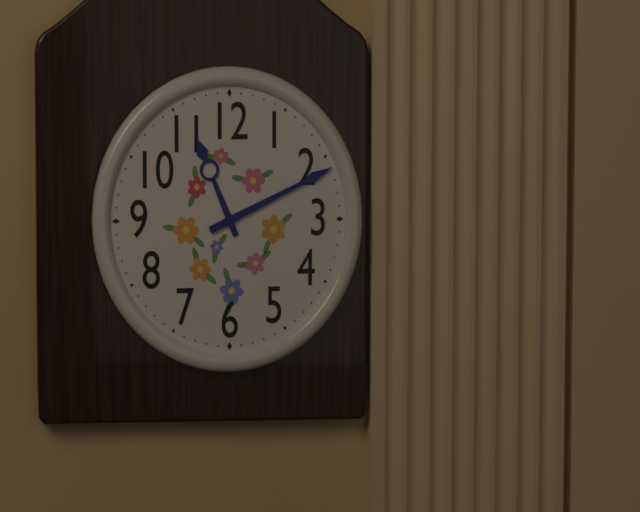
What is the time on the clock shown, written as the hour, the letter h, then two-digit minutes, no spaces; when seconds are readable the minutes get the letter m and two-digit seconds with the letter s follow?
11h11
